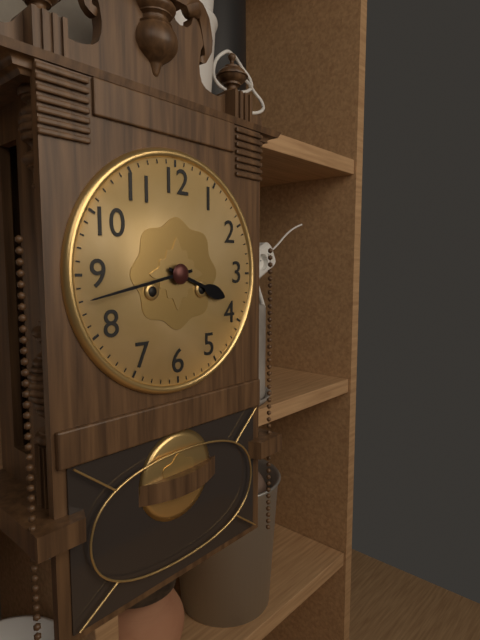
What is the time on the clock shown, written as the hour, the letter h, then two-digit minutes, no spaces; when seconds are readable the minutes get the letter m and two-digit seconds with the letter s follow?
3h43
